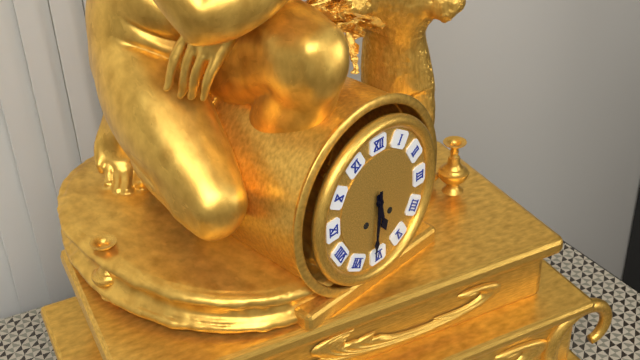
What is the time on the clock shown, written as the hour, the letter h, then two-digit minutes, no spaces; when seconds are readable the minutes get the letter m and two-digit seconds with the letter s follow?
5h31
